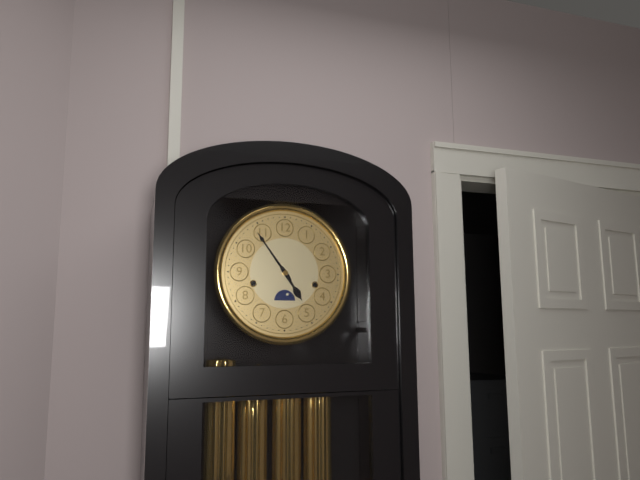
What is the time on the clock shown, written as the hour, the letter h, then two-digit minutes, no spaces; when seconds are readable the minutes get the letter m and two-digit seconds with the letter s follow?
4h54
